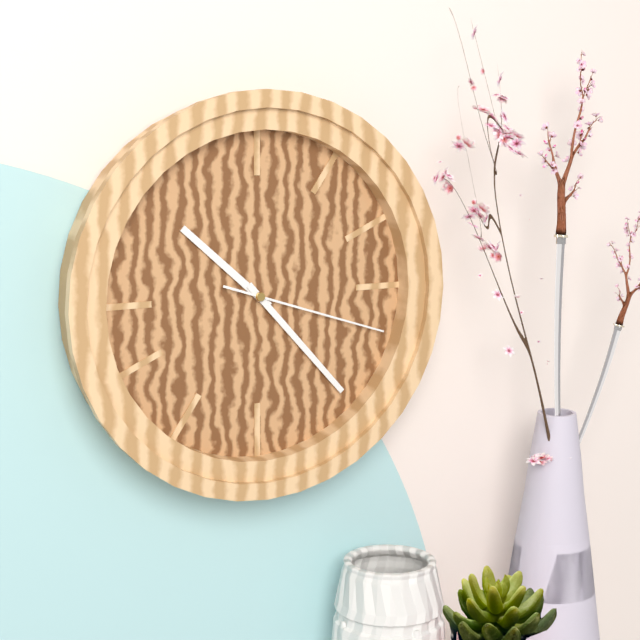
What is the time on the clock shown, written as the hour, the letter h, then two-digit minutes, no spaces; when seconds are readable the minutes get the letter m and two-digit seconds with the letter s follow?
10h23m18s
